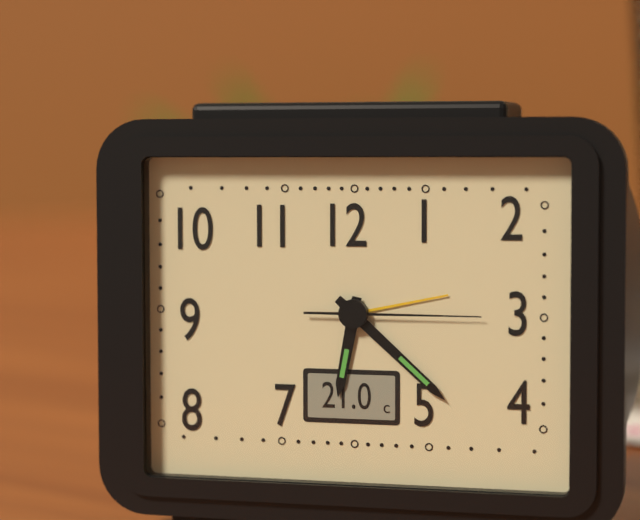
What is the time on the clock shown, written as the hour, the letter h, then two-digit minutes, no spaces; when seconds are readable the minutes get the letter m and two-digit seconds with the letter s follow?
6h22m15s
